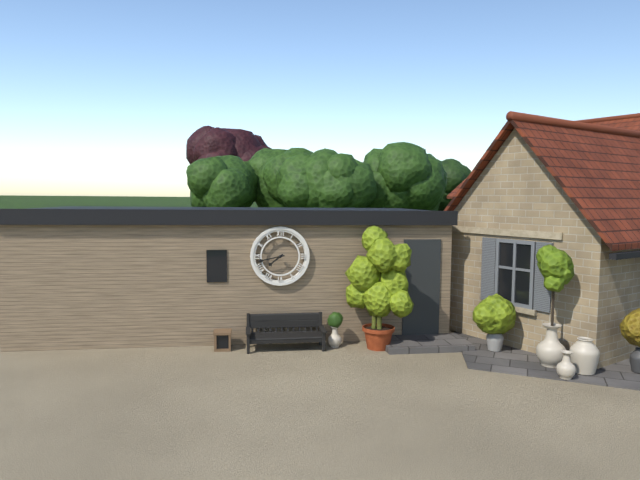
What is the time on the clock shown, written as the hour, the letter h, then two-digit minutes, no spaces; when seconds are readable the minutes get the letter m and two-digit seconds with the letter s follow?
7h43
